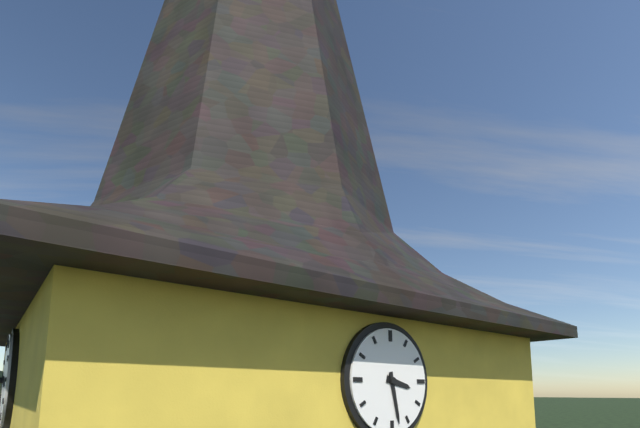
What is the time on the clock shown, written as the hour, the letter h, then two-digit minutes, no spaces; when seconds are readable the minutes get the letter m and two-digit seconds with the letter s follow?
3h28
